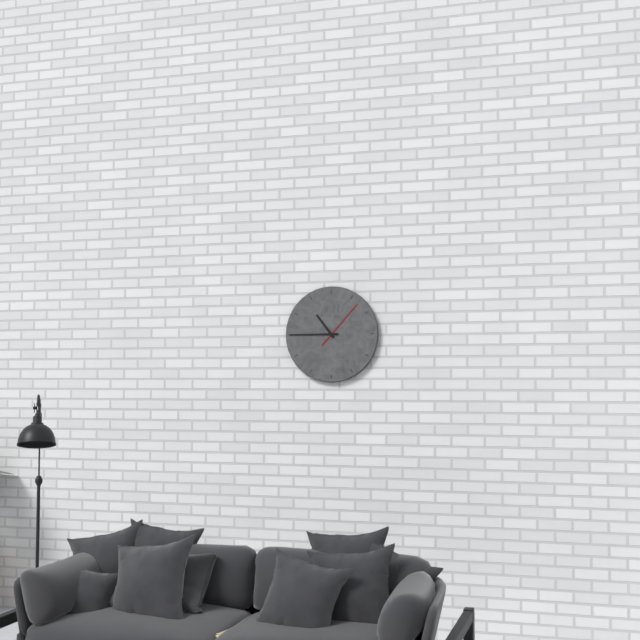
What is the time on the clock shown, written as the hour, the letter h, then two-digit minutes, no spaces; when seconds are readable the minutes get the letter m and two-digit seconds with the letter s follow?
10h45m07s
